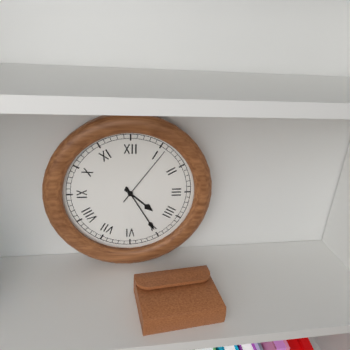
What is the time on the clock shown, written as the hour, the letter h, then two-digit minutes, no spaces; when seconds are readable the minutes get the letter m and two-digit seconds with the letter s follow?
4h25m06s
